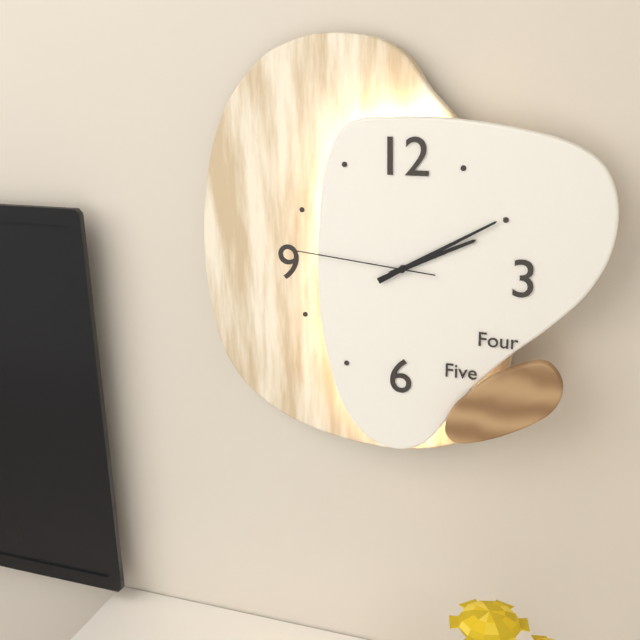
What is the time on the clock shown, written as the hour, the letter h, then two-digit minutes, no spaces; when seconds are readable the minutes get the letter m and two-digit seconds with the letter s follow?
2h10m46s
